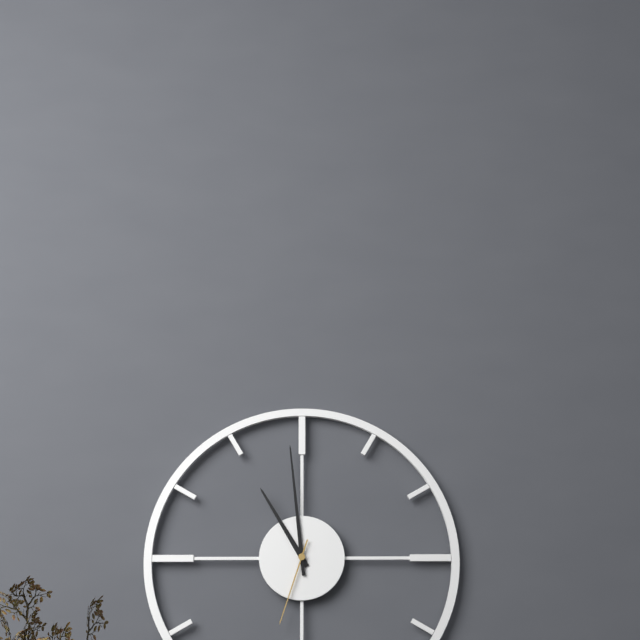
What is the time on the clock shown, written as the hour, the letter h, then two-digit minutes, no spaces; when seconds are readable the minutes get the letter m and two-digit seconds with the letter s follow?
10h59m33s
